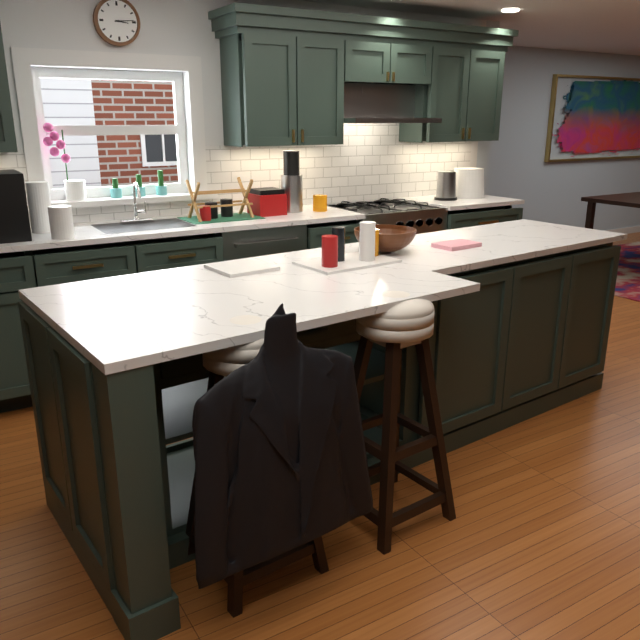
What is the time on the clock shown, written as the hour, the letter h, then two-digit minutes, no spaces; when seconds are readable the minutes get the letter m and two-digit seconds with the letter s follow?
3h14
